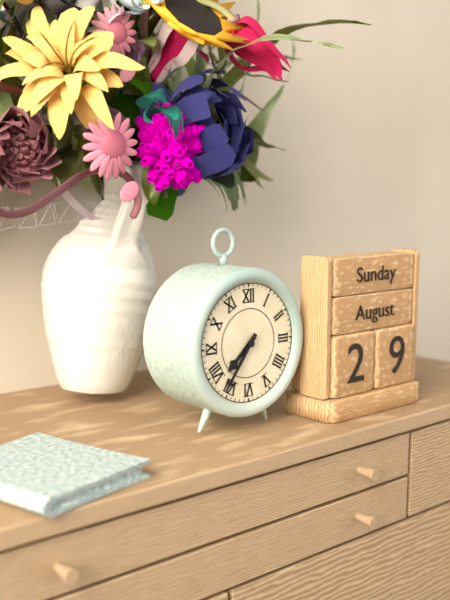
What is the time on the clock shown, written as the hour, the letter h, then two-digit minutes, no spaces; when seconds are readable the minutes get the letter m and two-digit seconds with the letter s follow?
7h36
